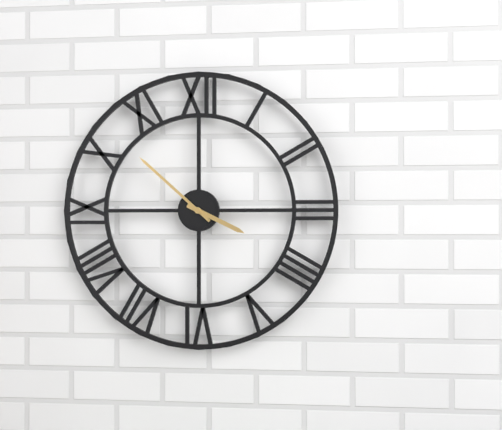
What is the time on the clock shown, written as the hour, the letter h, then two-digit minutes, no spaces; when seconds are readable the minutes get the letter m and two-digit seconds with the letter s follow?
3h52
